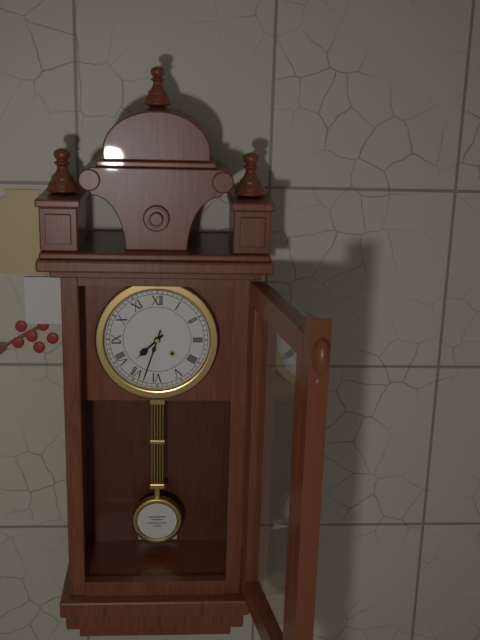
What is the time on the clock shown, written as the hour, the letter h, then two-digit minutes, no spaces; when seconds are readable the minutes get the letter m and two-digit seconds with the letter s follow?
7h33
